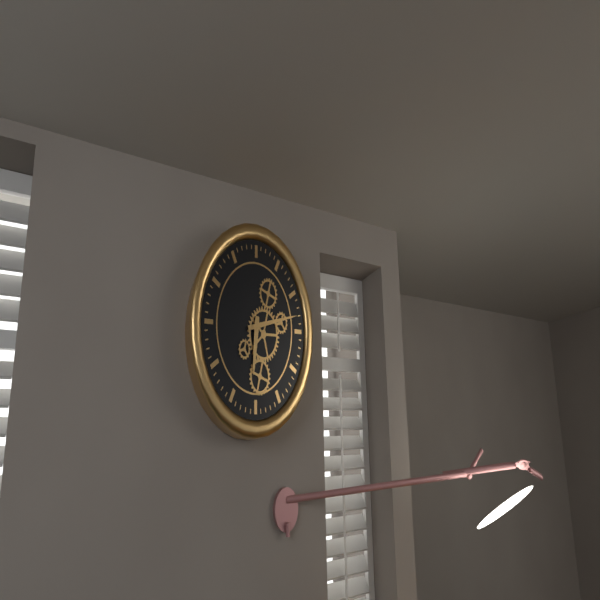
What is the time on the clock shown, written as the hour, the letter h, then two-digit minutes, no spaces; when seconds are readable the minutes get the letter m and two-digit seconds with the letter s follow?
6h13
